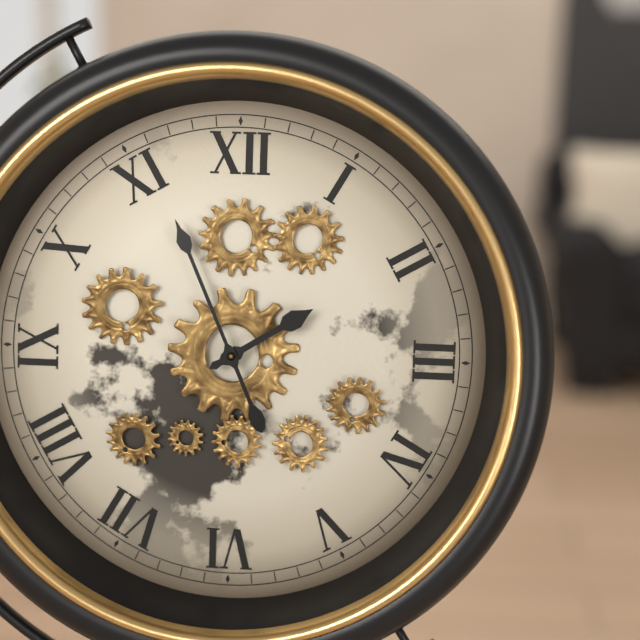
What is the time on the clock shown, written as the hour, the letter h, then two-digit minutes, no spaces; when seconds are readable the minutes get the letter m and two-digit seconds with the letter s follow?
1h56
